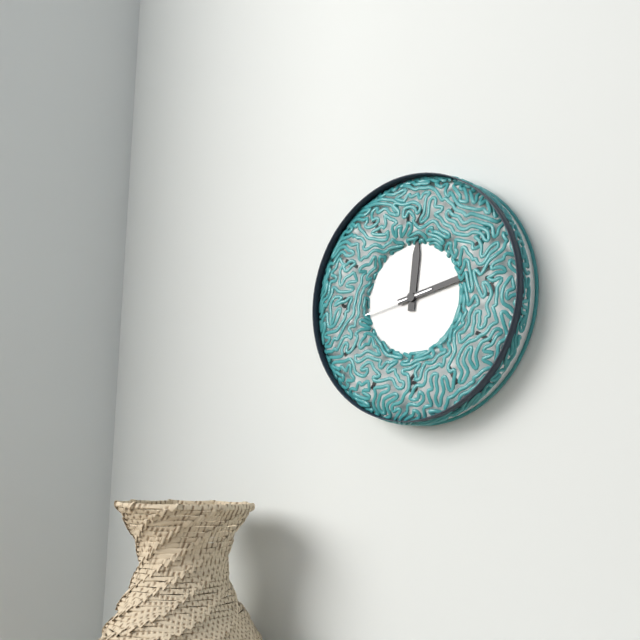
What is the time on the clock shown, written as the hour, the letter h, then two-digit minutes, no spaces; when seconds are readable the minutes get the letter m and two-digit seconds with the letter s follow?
12h13m43s
